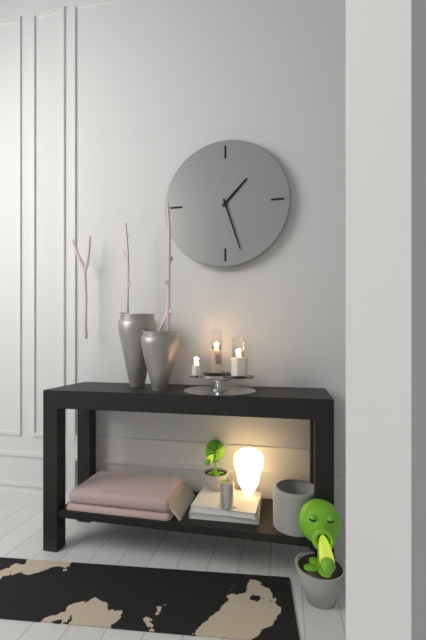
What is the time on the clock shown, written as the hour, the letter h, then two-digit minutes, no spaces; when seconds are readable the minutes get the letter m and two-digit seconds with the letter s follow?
1h27
